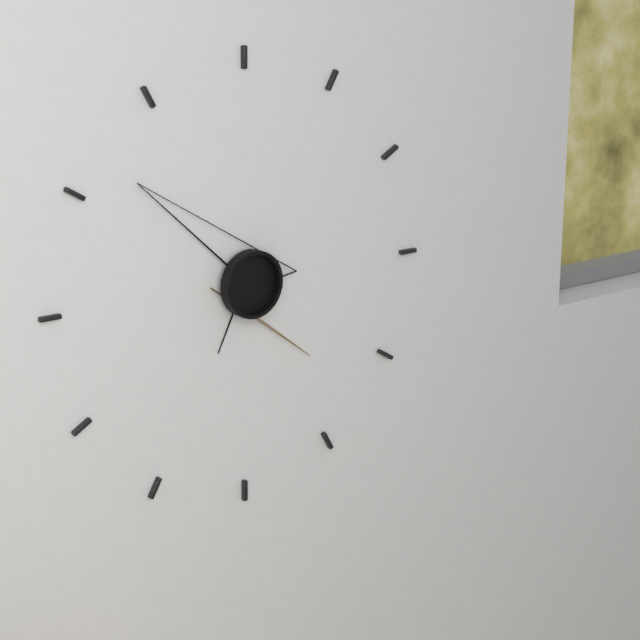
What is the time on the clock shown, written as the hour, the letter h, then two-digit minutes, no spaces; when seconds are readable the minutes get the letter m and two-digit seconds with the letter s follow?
6h52m23s
